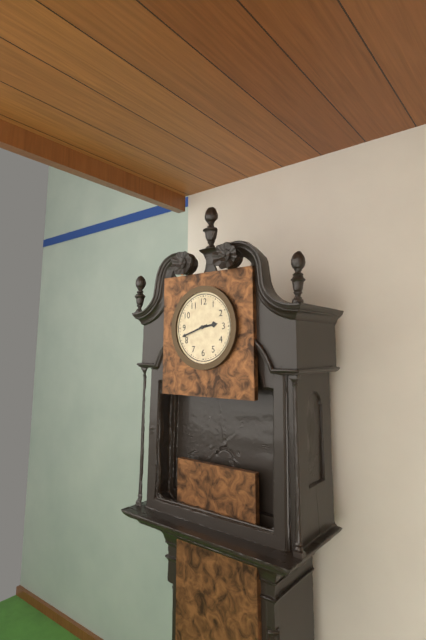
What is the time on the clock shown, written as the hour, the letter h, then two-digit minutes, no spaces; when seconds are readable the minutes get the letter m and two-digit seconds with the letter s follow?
2h42
